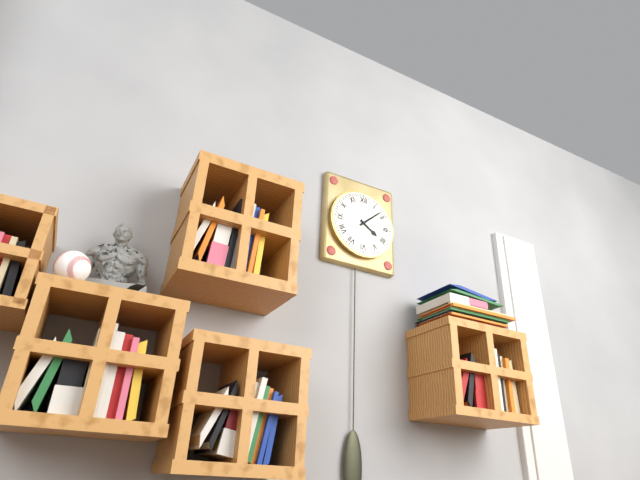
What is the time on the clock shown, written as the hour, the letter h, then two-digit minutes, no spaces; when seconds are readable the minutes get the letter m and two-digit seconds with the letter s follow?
4h08
